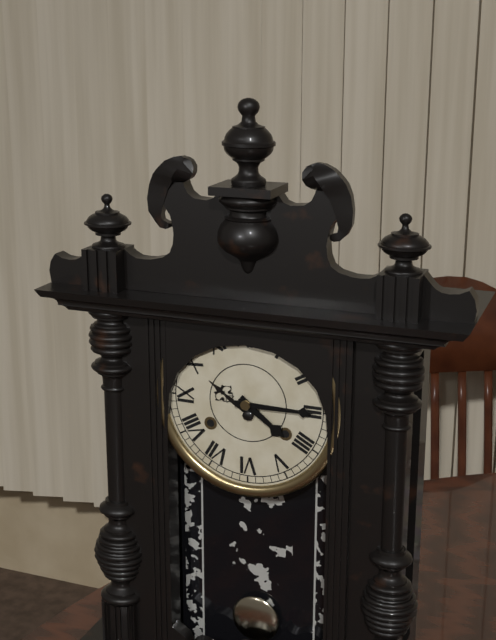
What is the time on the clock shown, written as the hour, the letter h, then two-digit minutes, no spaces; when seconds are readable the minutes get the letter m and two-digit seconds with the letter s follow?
4h15
